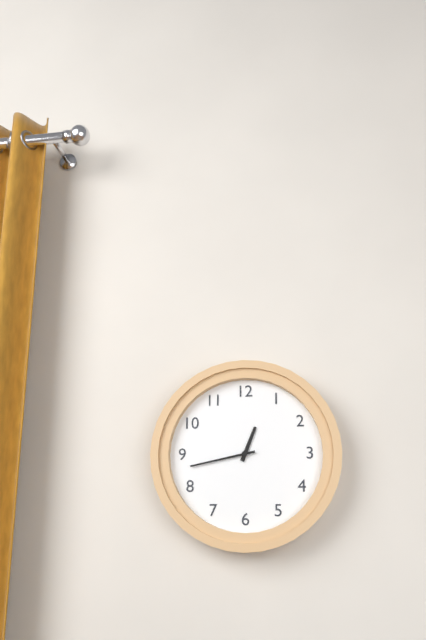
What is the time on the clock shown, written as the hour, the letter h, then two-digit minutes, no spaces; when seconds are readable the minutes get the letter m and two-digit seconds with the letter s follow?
12h43
